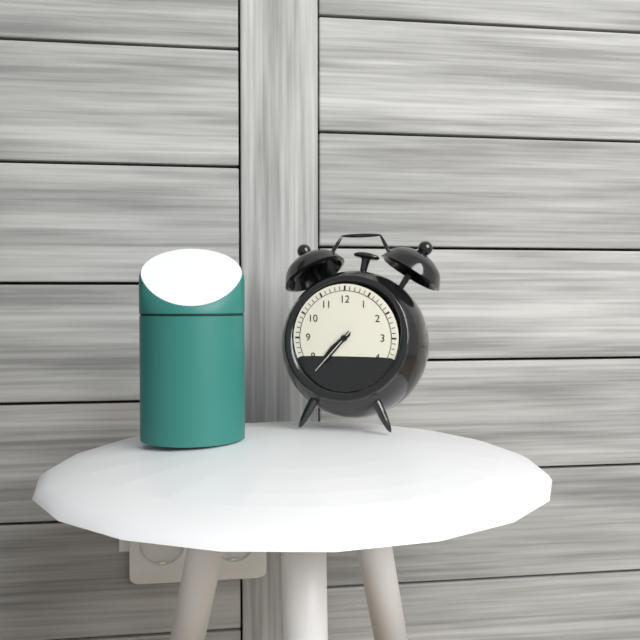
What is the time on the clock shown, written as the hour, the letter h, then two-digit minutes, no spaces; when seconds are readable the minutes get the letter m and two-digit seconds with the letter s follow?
7h37m37s
